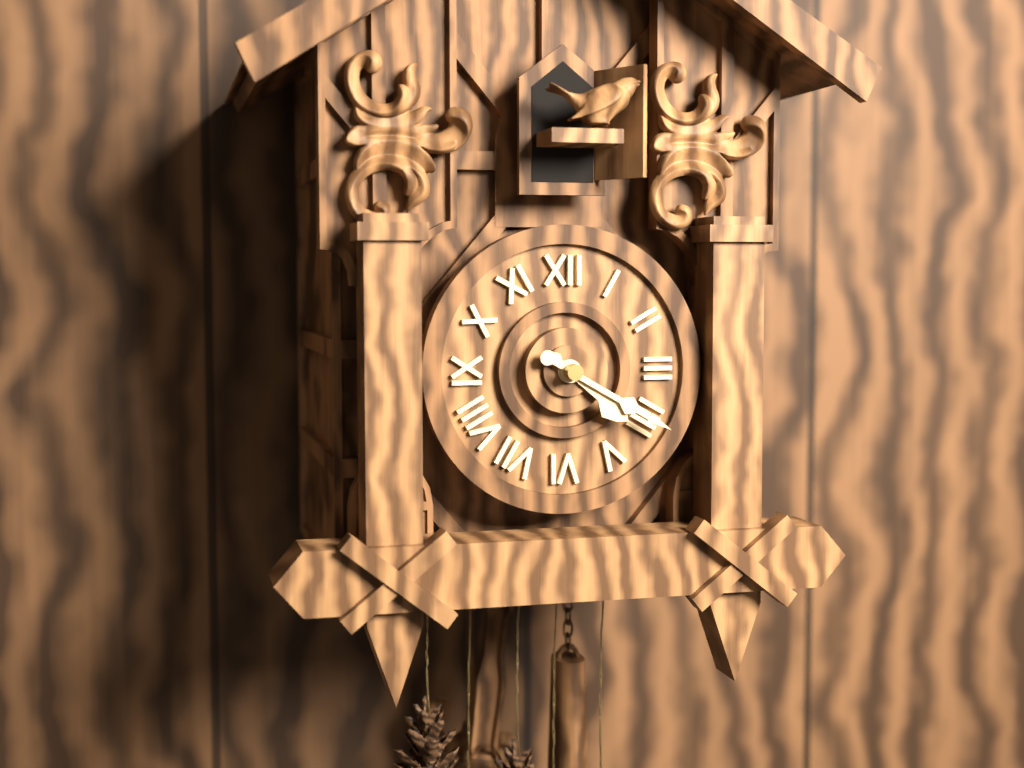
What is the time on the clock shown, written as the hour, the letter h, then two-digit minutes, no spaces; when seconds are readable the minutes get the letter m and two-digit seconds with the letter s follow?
4h20
